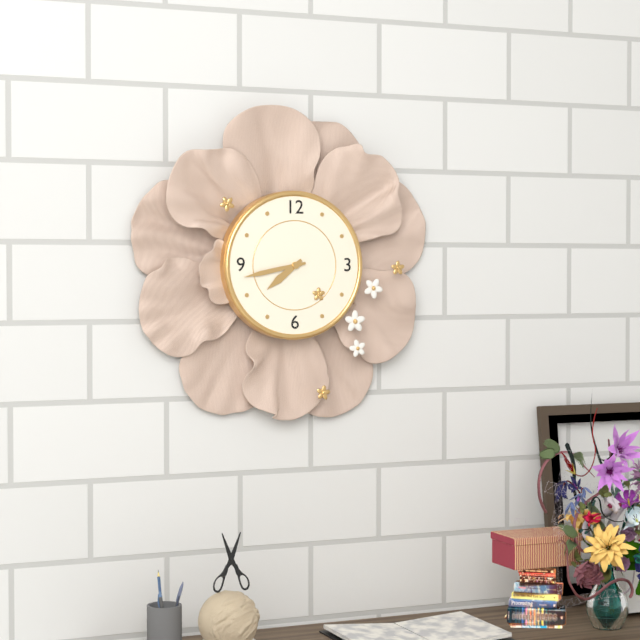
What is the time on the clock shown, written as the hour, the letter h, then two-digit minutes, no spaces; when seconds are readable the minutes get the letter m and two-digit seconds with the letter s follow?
7h43
